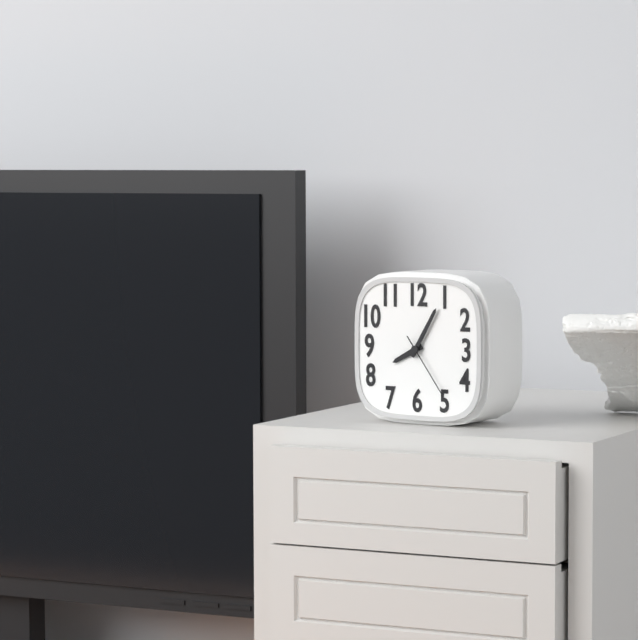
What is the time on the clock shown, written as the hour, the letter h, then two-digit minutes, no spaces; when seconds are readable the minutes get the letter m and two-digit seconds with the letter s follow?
8h05m24s
